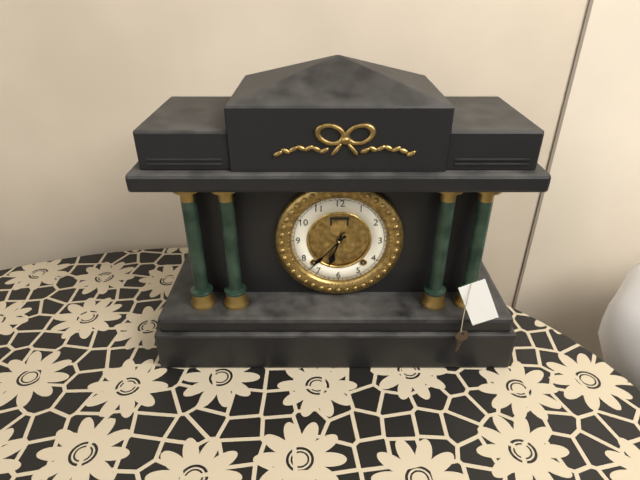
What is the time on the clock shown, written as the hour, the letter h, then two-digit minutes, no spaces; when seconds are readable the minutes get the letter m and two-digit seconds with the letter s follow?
6h37
